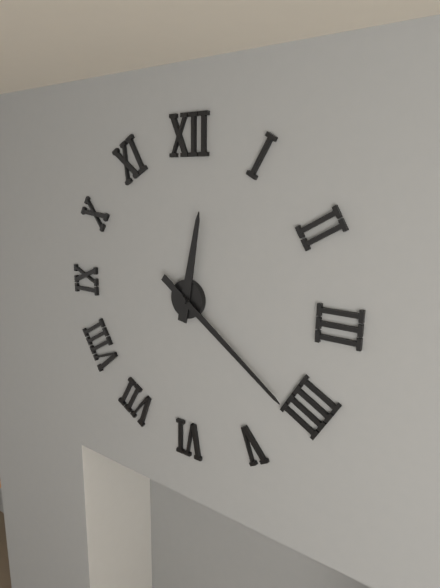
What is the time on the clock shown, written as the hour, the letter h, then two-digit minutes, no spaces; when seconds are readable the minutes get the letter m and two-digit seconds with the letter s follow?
12h21
